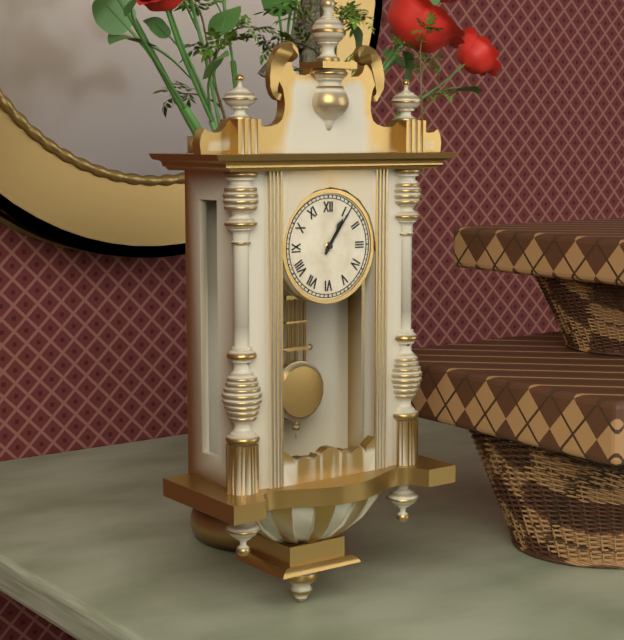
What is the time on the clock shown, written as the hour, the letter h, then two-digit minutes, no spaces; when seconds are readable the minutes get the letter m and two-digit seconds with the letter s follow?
1h06
